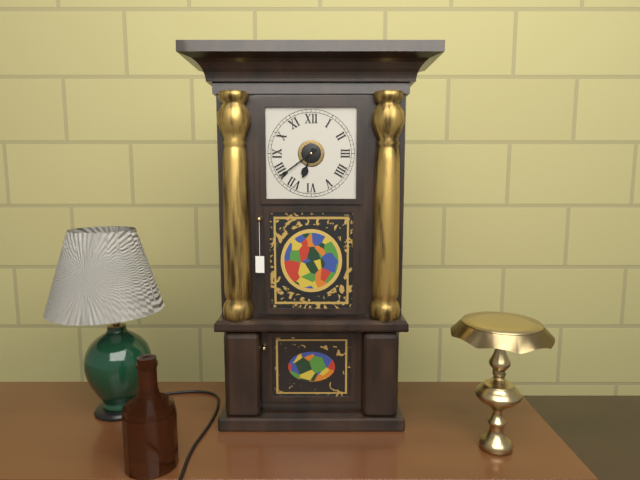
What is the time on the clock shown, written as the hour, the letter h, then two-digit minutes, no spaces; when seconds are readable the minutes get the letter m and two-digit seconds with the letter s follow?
6h39
